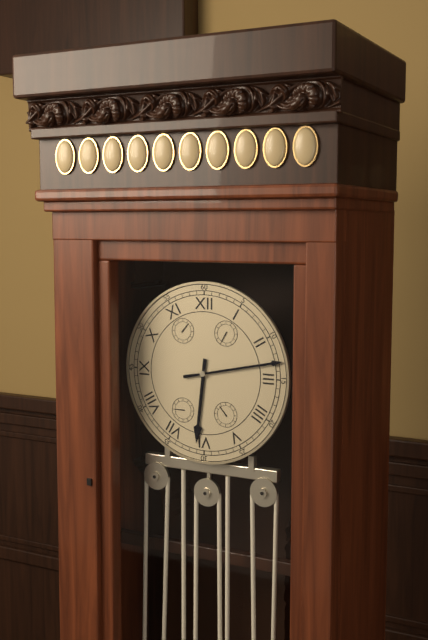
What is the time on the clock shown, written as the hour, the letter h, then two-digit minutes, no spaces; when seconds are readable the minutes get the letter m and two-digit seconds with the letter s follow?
6h13
